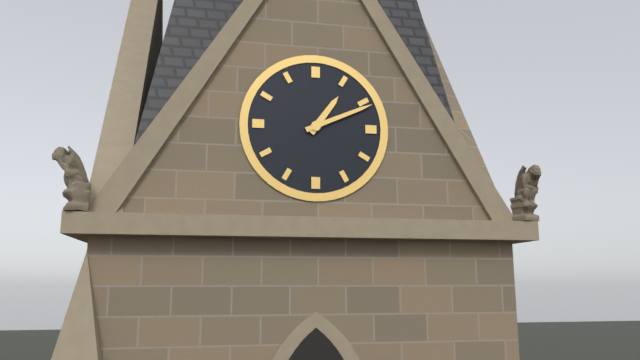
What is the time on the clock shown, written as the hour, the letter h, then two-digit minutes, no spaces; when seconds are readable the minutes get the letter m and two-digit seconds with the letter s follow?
1h11
